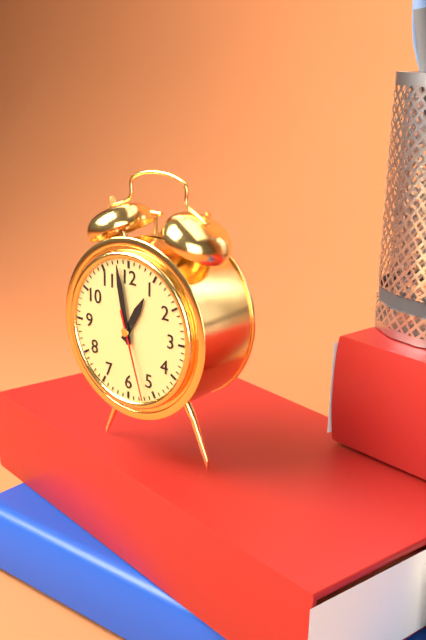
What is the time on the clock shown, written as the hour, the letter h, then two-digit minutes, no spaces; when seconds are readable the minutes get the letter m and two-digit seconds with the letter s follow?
12h58m27s
